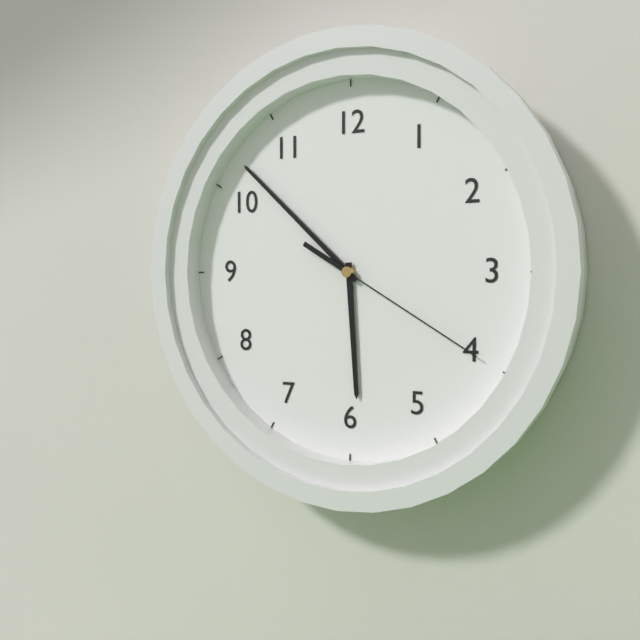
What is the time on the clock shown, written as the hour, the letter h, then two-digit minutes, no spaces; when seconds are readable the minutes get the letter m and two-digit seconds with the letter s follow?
5h52m20s
